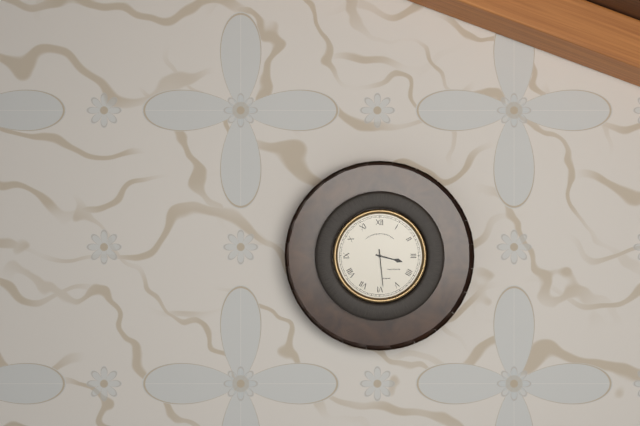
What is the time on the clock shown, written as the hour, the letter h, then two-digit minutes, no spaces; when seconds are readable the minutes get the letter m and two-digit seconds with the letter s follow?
3h29
